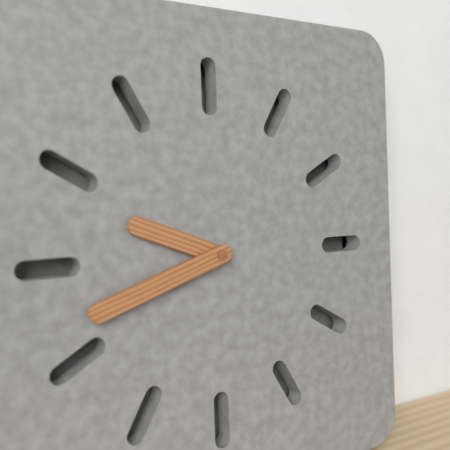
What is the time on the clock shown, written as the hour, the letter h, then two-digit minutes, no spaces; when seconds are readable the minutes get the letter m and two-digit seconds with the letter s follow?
9h42
